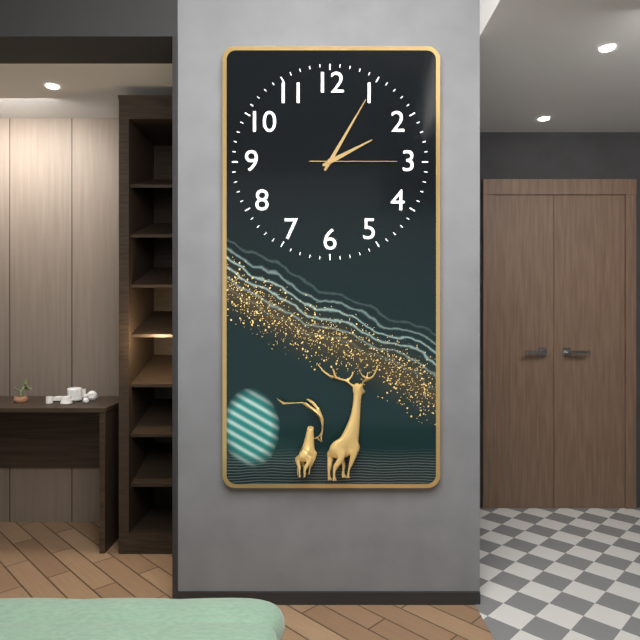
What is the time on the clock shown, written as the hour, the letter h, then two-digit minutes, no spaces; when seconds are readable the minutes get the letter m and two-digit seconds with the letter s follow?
2h05m15s
